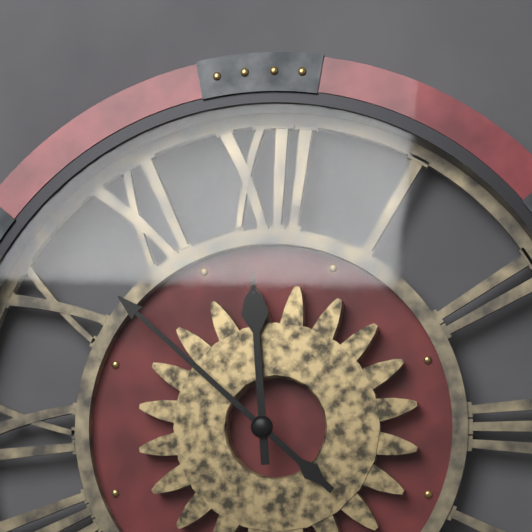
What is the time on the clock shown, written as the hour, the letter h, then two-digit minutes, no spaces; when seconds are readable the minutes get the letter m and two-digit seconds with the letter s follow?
11h52
